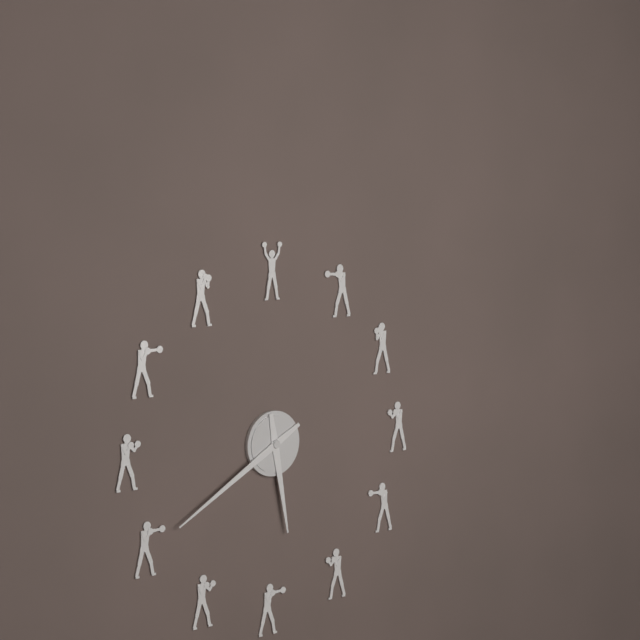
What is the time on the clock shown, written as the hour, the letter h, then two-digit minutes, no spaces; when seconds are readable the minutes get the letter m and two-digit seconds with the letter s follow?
5h40
